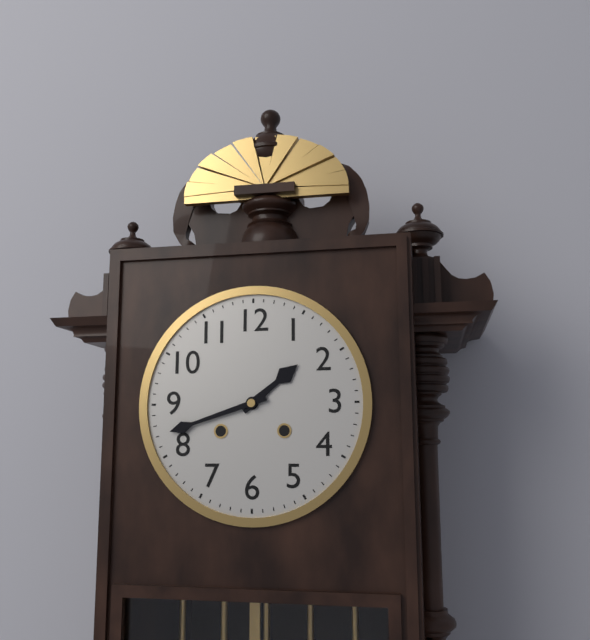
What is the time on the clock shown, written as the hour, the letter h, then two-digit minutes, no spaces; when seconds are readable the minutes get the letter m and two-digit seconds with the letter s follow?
1h42
